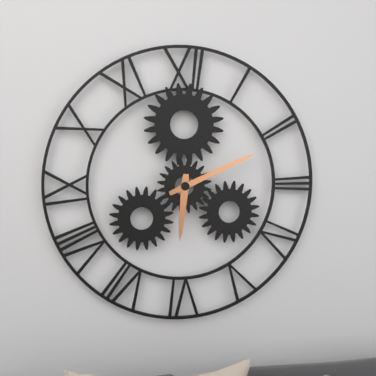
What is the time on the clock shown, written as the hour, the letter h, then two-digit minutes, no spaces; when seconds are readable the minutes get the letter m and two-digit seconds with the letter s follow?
6h11
